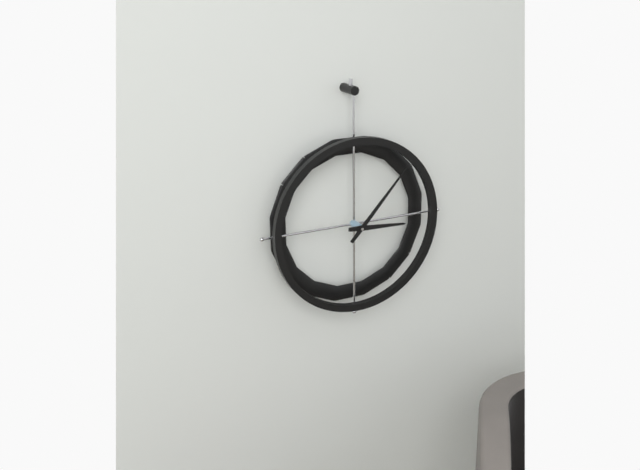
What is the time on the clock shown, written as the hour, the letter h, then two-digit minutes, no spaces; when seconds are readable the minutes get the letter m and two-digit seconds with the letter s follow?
3h07
